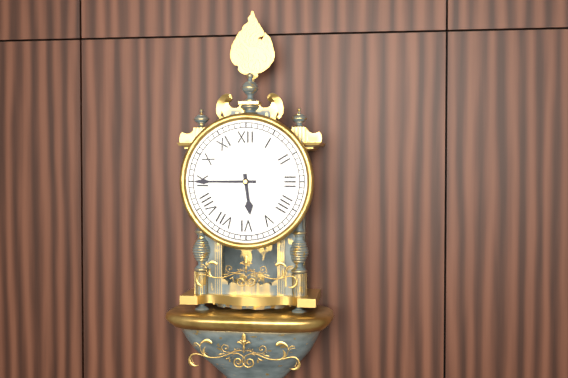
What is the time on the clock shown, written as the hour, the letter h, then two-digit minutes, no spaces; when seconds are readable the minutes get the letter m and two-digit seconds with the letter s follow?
5h45
